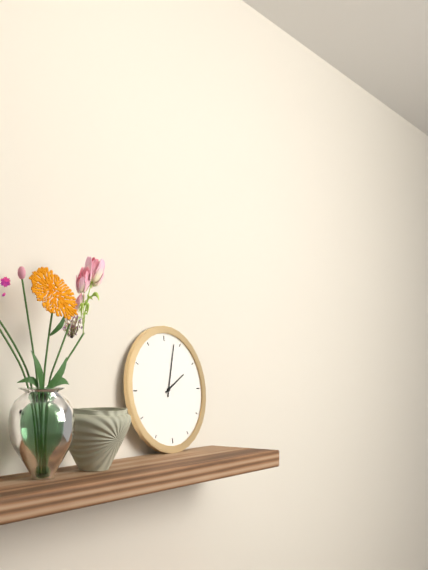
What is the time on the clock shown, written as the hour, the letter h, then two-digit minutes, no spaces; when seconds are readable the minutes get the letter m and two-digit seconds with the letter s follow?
2h03
